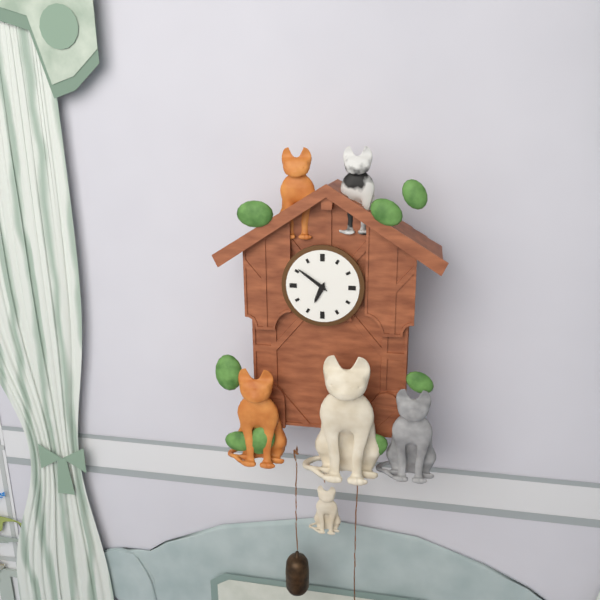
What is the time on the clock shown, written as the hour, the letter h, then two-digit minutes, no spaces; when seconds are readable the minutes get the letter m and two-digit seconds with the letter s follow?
6h51
